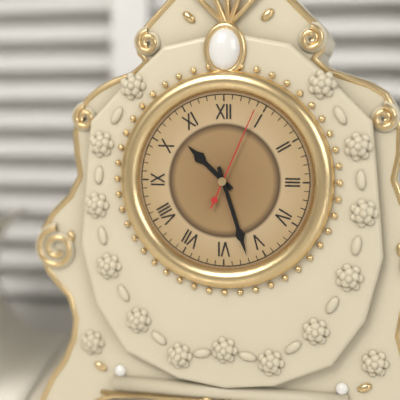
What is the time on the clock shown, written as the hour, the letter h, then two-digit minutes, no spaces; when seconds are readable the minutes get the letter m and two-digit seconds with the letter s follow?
10h27m04s
